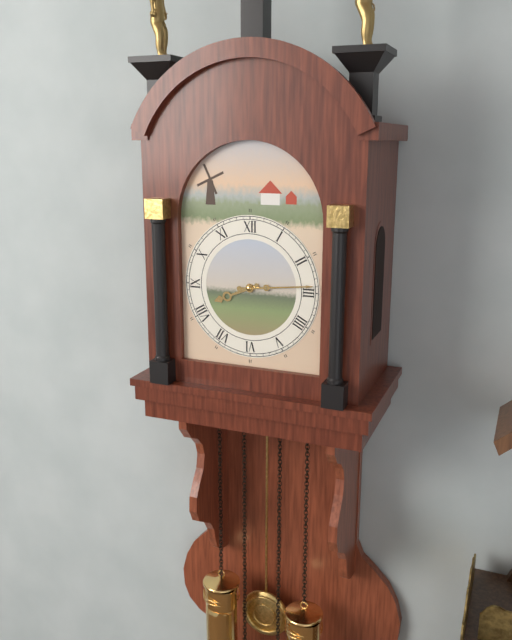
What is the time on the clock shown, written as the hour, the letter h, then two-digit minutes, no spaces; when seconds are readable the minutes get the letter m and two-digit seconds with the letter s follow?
8h14
